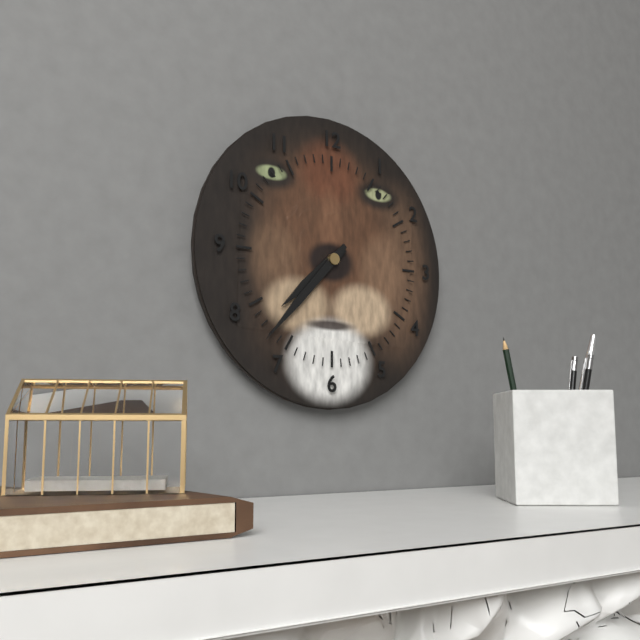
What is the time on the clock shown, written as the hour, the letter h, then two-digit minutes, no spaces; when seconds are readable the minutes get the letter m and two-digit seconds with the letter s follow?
7h37
